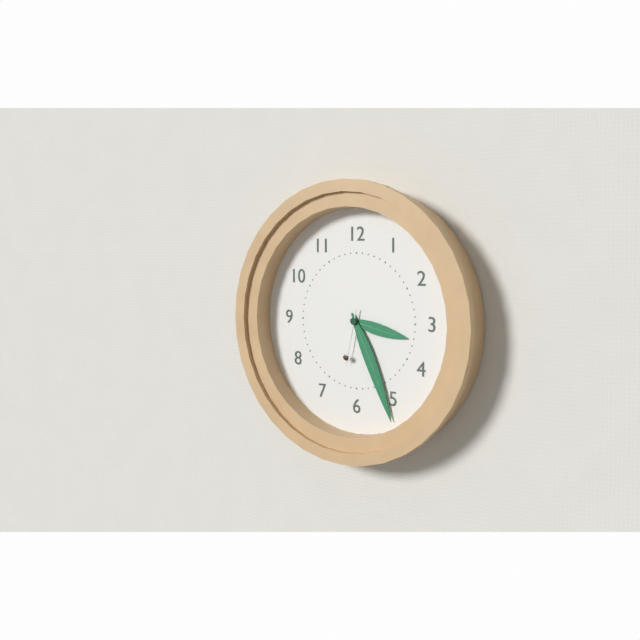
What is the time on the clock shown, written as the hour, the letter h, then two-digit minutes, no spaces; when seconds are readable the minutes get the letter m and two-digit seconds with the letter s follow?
3h26m32s
